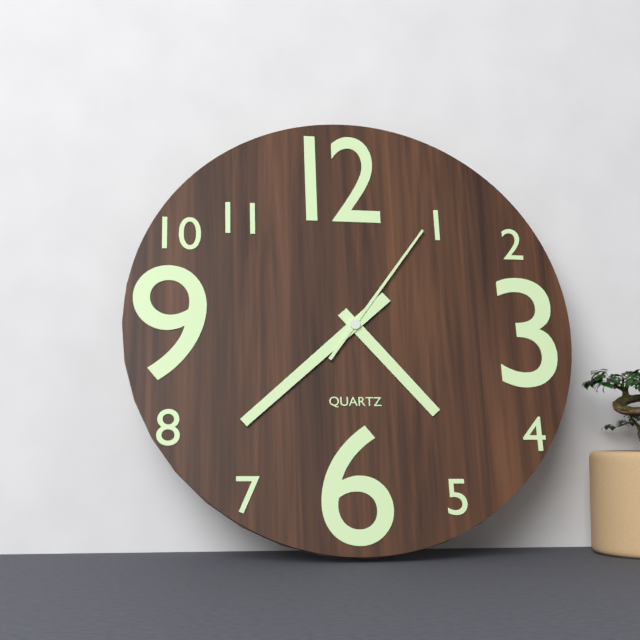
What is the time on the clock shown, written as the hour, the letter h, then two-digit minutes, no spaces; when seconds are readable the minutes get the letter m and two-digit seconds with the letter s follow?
4h38m06s
